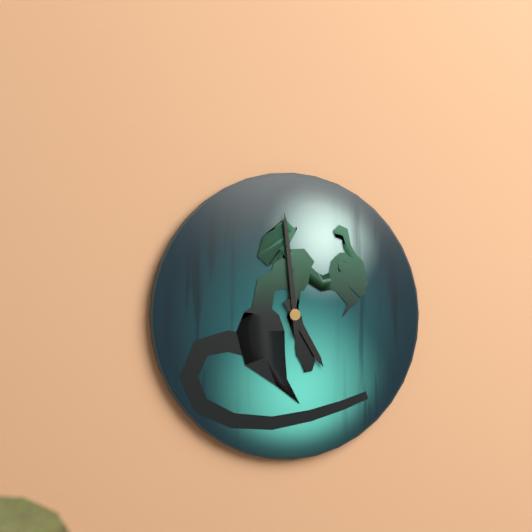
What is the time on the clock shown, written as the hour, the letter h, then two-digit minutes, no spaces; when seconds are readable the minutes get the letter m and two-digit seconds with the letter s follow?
4h59
